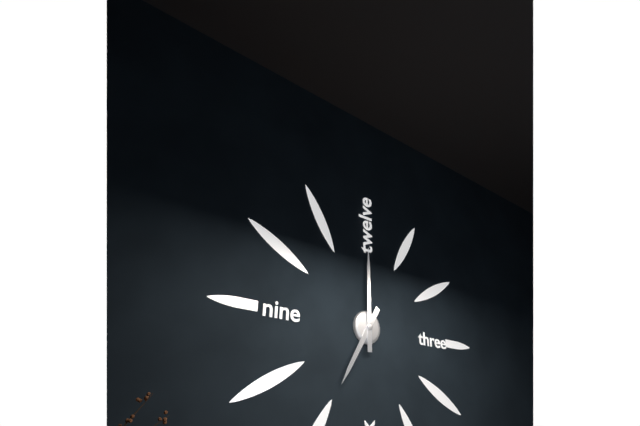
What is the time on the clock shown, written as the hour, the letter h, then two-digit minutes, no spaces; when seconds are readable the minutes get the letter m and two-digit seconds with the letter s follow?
7h00
